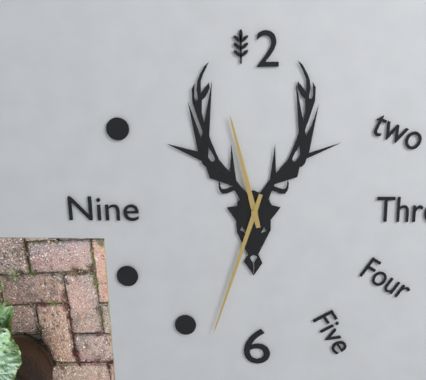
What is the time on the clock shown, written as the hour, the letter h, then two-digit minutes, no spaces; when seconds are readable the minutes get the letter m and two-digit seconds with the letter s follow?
11h33
